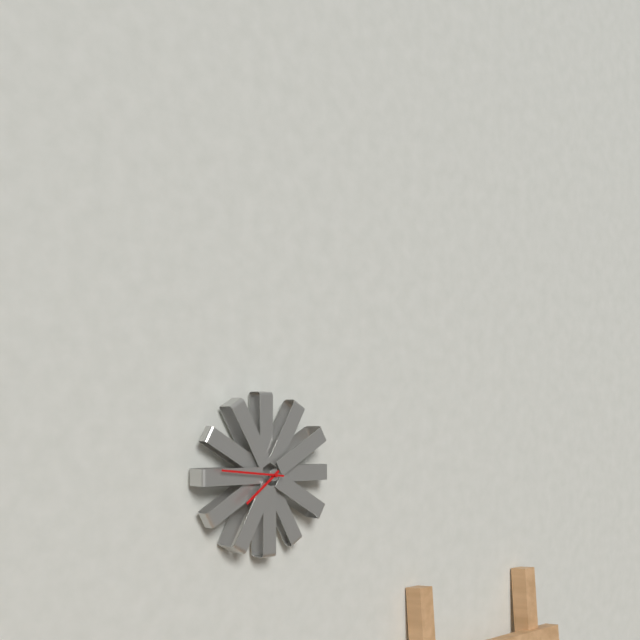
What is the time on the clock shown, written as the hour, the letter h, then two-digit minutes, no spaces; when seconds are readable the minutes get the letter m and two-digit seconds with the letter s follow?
7h46
